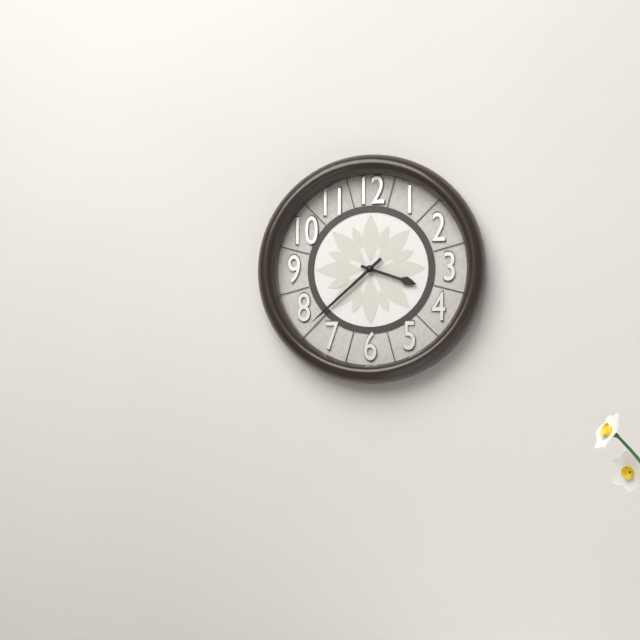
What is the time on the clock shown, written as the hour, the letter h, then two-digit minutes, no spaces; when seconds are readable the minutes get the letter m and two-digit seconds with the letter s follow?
3h38
